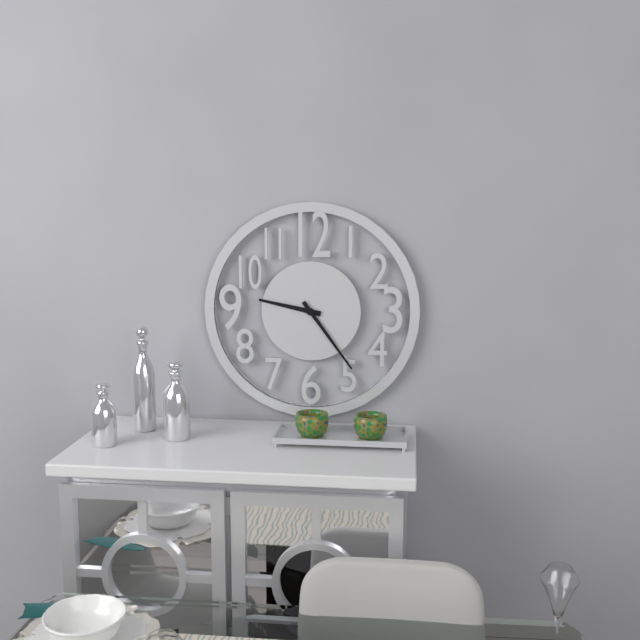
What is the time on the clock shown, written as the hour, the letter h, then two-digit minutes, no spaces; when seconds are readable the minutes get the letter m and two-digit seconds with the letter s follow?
9h24
